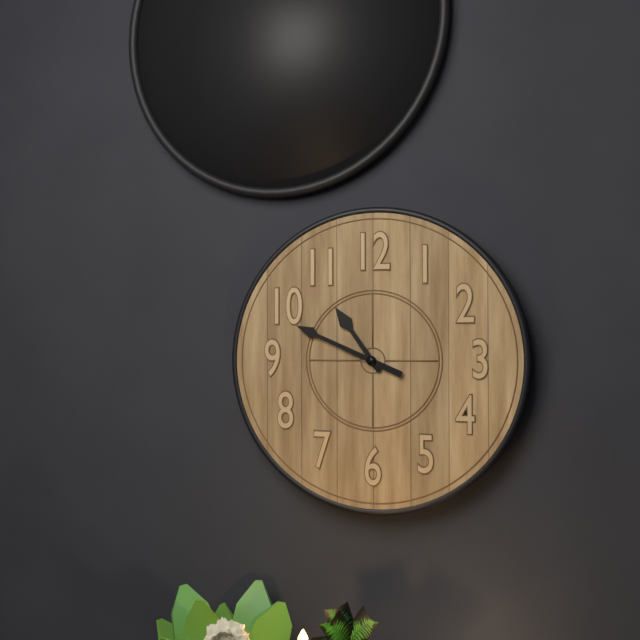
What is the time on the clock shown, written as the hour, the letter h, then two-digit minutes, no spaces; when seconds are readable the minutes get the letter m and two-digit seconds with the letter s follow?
10h49
